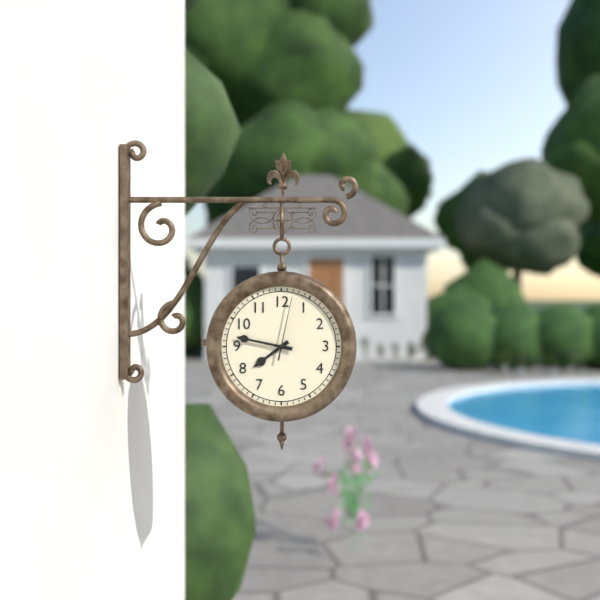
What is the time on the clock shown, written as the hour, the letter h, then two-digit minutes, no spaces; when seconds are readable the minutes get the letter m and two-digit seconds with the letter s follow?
7h47m02s
